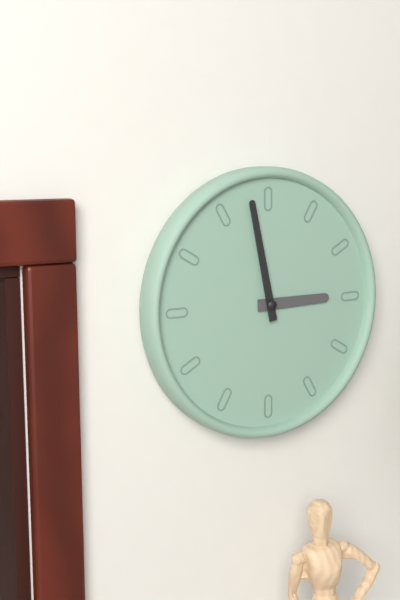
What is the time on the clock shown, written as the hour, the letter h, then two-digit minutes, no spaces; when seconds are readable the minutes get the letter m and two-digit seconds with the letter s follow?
2h58
